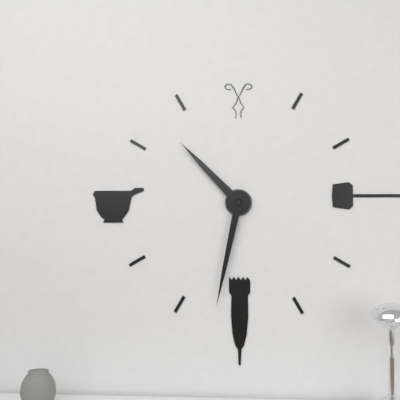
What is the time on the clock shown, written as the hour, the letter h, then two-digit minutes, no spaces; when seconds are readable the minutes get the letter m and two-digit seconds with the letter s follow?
10h32
